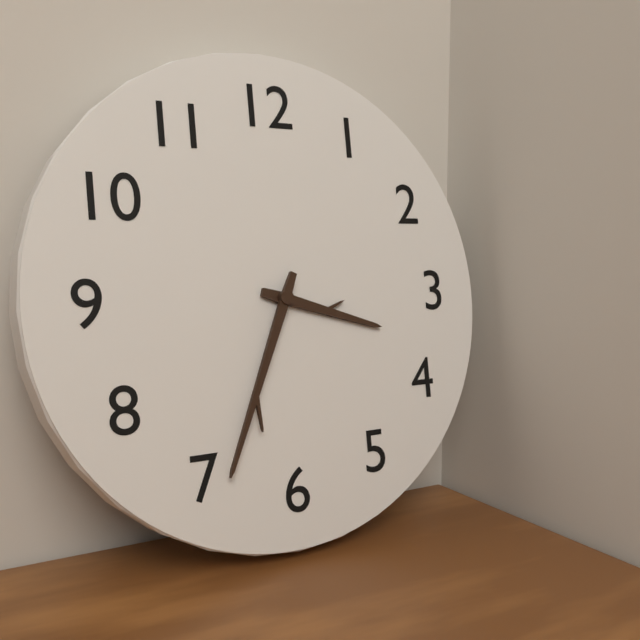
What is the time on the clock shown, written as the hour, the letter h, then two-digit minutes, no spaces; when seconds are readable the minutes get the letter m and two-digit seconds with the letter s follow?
3h34
